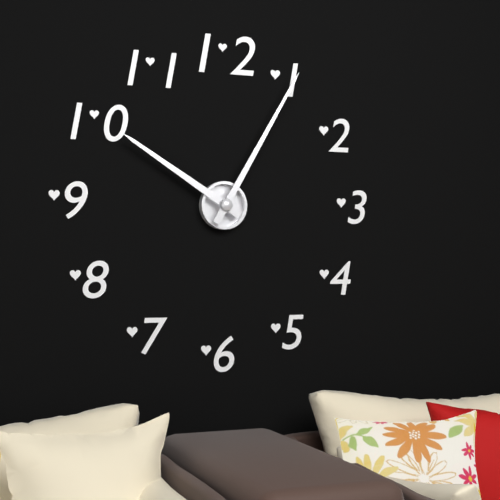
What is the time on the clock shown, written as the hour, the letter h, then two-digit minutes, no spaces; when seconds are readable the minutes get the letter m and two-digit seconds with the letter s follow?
10h05
